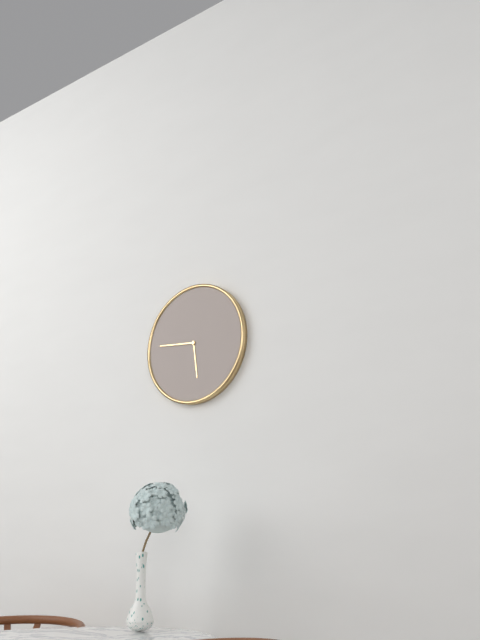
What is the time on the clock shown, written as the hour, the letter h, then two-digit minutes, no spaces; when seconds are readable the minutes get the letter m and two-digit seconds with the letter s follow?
5h46
